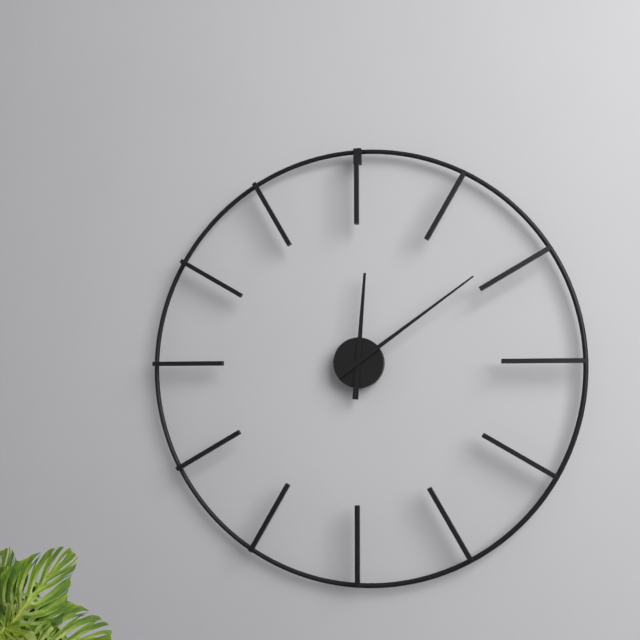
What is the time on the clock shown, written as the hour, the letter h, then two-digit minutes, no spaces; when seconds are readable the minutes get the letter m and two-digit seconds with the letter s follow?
12h09
